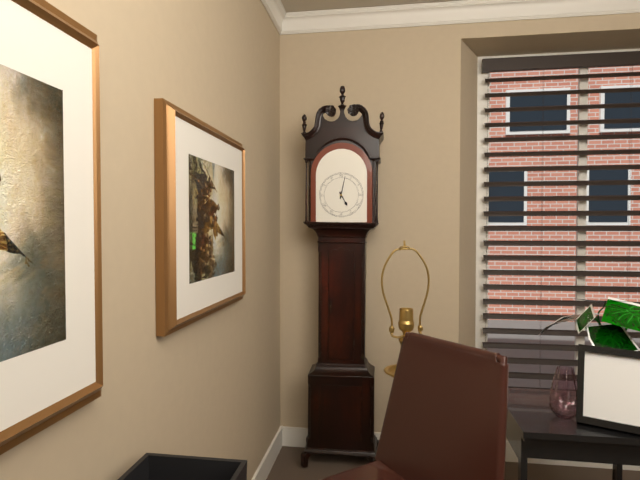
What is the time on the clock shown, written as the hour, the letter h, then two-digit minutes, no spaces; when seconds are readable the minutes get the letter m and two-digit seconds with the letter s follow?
5h02
